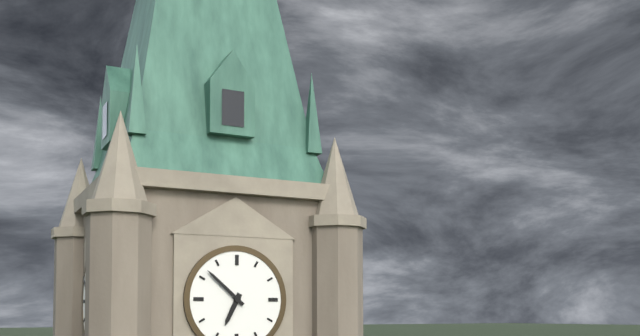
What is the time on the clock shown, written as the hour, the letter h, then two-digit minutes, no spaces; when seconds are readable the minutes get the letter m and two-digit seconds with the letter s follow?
6h52
